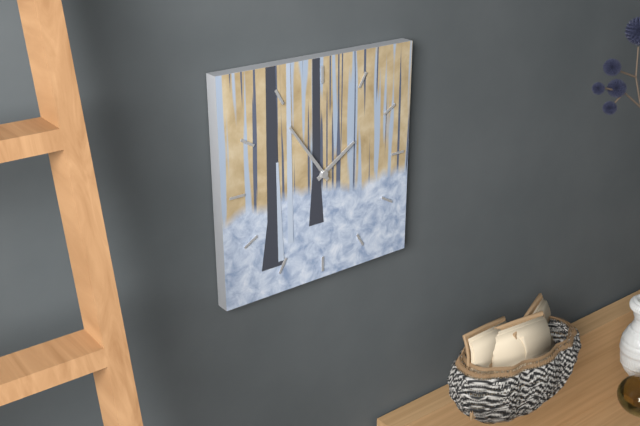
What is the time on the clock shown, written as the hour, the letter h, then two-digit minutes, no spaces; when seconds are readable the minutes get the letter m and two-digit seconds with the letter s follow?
1h54
